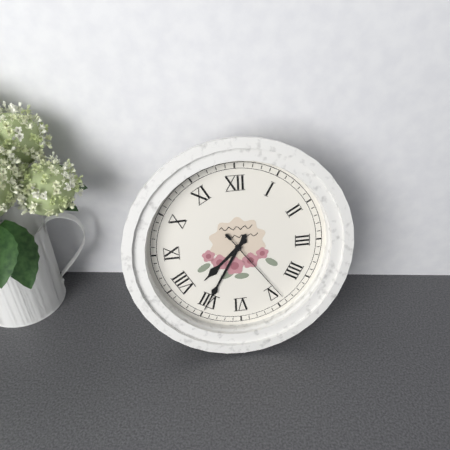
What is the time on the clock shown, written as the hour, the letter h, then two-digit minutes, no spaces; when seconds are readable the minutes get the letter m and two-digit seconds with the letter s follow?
7h35m24s
